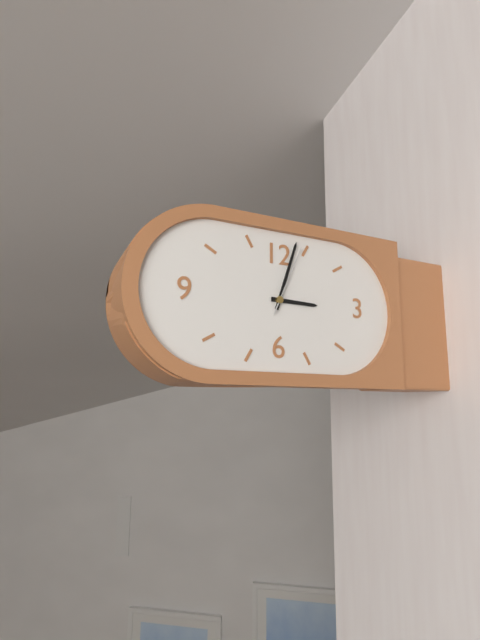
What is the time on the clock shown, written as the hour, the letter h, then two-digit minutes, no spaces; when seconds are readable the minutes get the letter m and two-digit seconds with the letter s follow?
3h03m04s
